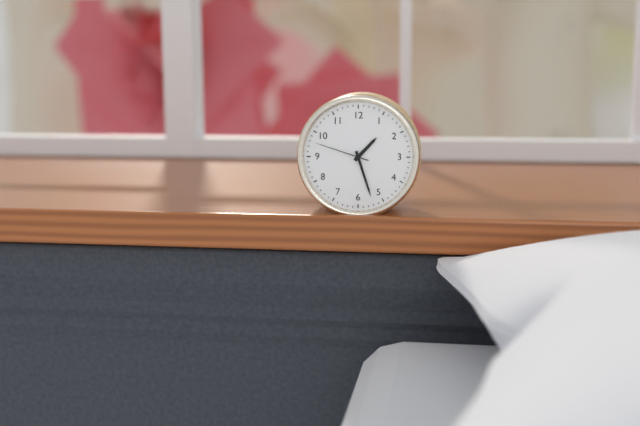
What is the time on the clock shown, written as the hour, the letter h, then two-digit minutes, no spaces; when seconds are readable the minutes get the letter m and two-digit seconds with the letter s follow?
1h27m48s
